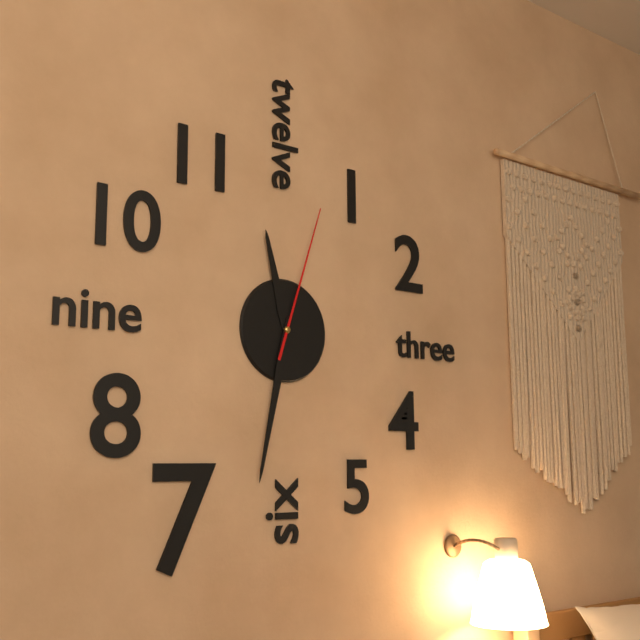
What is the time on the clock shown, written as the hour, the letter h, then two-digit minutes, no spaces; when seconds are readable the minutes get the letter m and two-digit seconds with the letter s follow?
11h32m03s
